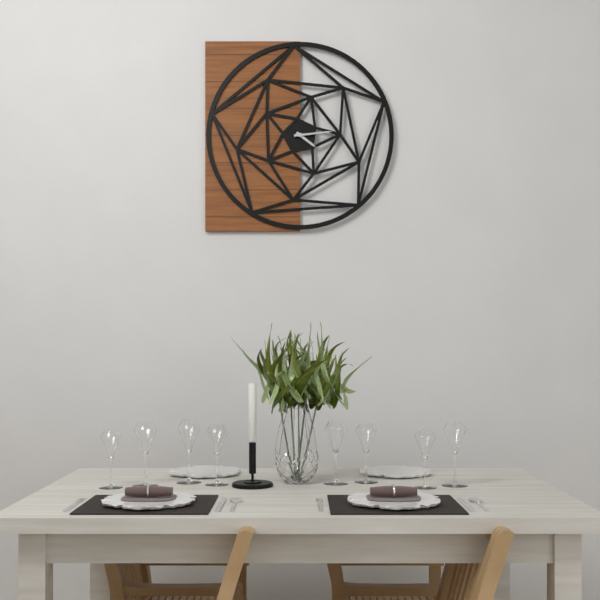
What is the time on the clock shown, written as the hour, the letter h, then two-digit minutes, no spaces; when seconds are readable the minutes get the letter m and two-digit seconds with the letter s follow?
4h14
